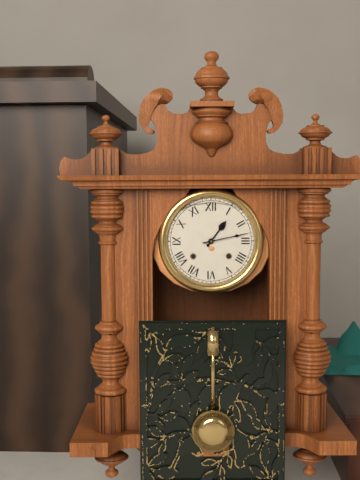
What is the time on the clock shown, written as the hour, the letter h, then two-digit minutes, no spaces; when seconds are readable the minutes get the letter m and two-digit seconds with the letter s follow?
1h13
